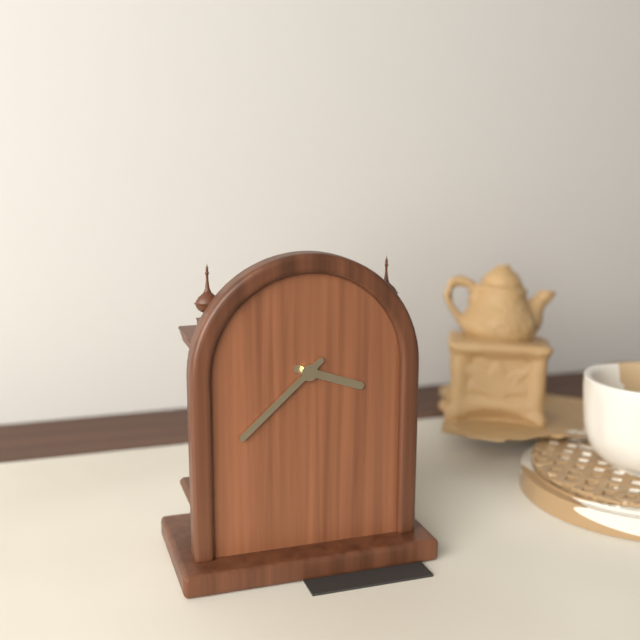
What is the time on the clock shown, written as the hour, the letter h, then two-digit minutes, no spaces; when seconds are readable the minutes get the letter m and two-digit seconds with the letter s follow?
3h38
